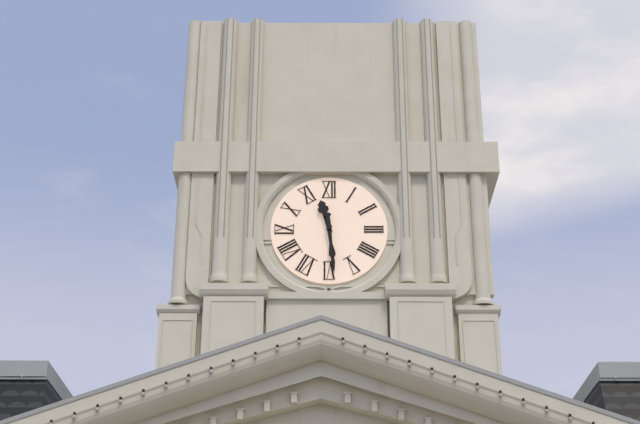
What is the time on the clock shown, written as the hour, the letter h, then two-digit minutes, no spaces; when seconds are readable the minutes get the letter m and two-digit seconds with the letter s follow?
11h29
